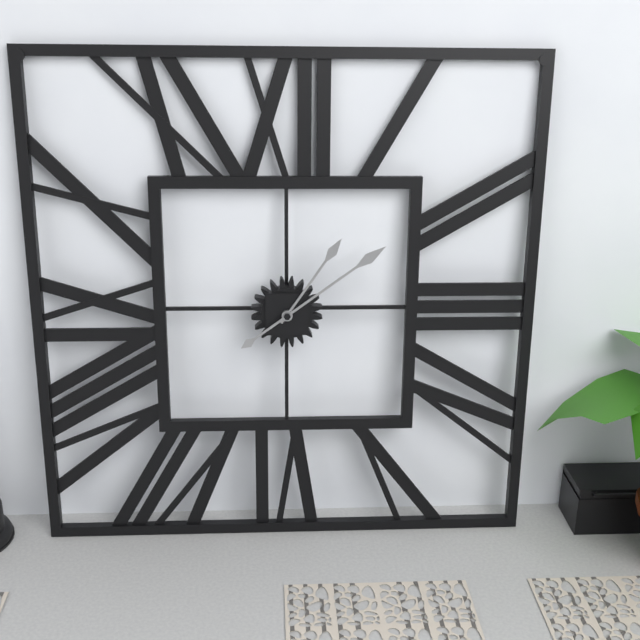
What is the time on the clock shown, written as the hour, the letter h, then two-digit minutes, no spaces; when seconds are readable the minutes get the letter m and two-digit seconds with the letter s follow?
1h09
